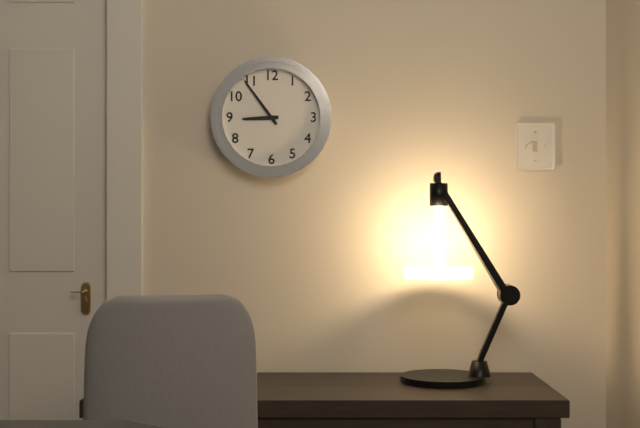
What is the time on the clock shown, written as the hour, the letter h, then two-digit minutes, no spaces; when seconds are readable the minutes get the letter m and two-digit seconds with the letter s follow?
8h54
